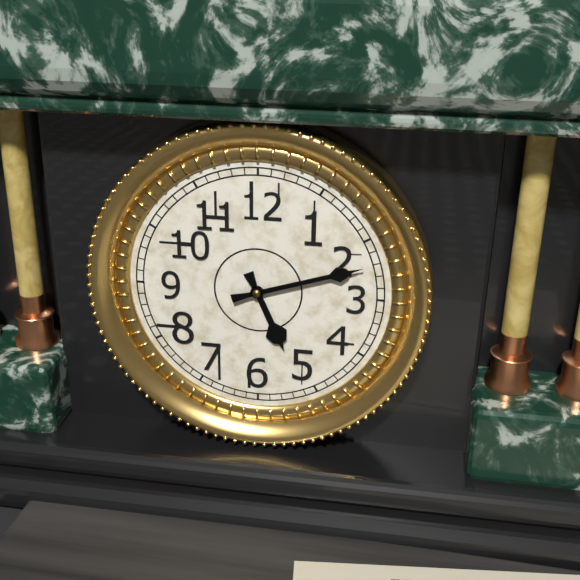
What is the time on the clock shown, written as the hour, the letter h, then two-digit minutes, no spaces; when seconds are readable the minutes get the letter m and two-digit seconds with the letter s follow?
5h12
